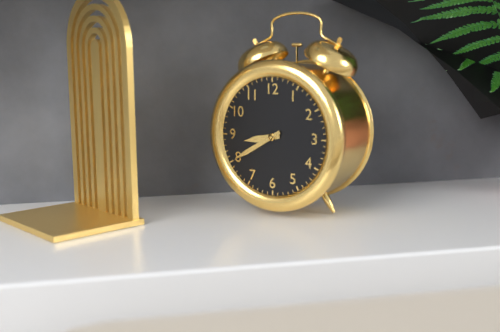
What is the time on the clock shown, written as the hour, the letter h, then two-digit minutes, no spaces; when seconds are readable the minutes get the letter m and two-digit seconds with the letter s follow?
8h40
